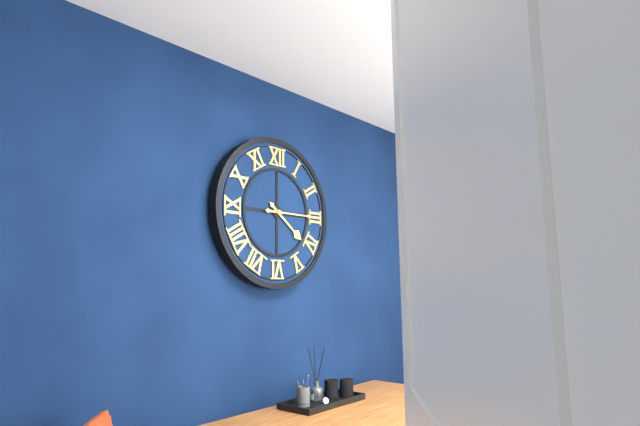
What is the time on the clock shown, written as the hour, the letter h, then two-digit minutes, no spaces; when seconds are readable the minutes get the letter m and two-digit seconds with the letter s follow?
4h15
